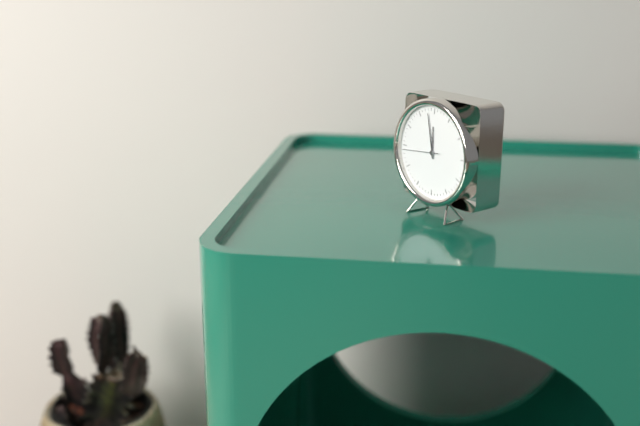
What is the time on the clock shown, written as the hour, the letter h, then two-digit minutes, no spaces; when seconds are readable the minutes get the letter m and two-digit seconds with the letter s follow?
11h58
